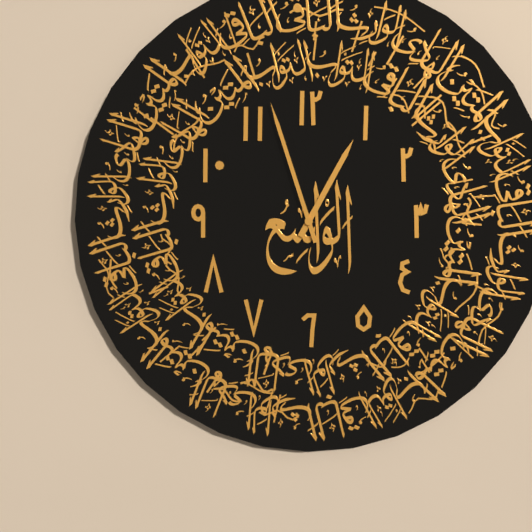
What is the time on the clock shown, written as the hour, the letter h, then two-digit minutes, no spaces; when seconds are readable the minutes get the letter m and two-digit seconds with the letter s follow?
12h57
